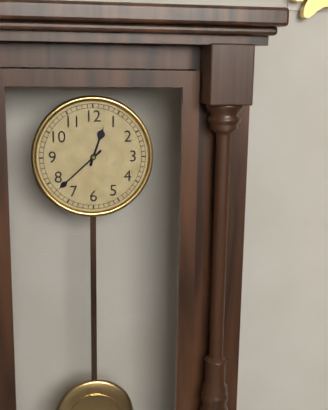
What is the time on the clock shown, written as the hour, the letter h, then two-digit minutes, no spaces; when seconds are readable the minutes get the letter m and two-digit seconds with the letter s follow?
12h38
